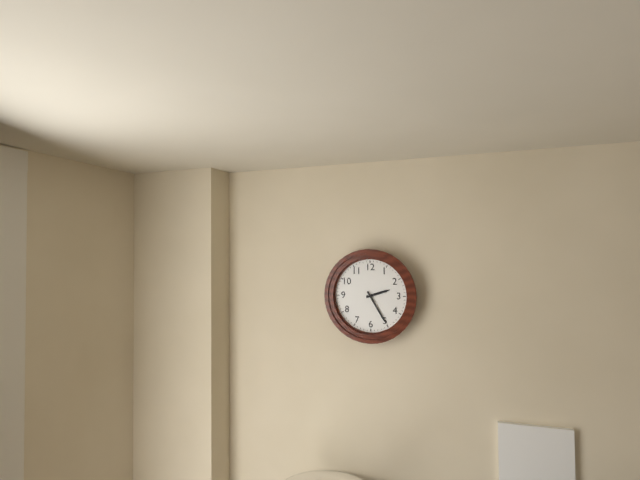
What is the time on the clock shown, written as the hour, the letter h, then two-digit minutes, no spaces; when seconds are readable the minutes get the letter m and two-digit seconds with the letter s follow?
2h25
